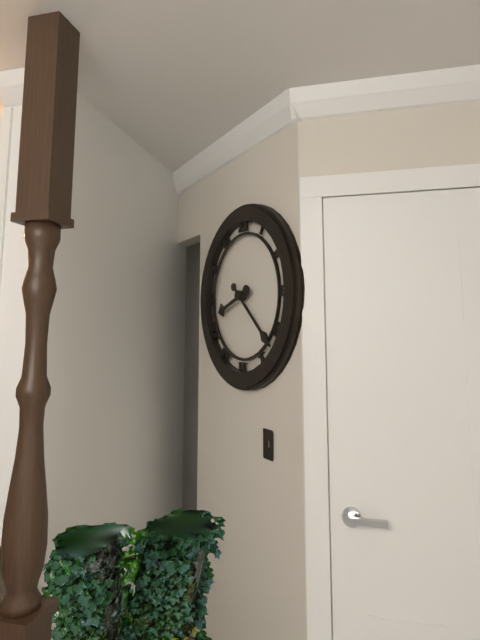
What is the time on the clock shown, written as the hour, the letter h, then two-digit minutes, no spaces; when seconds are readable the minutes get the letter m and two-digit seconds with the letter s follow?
8h22
